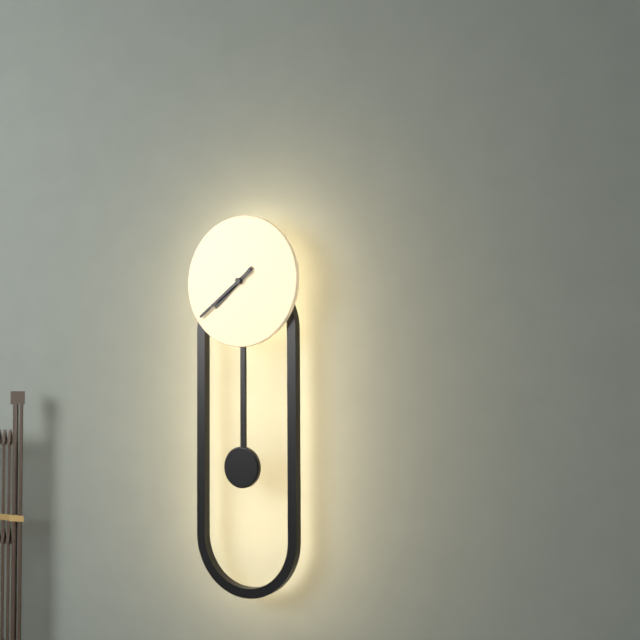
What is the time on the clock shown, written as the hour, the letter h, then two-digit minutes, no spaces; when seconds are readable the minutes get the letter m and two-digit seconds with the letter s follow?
7h39
